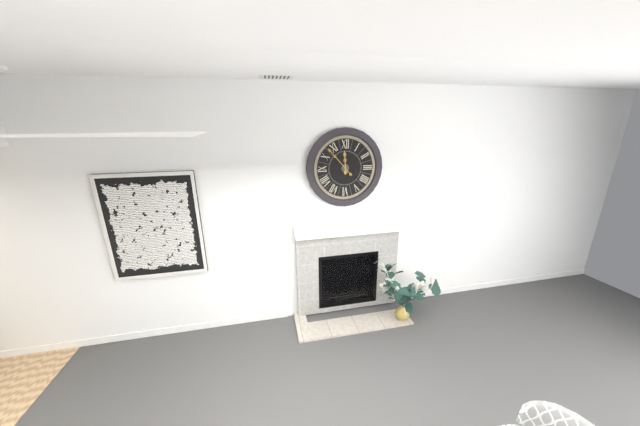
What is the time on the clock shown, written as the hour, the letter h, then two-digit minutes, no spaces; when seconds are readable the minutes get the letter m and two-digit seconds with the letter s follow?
11h53
